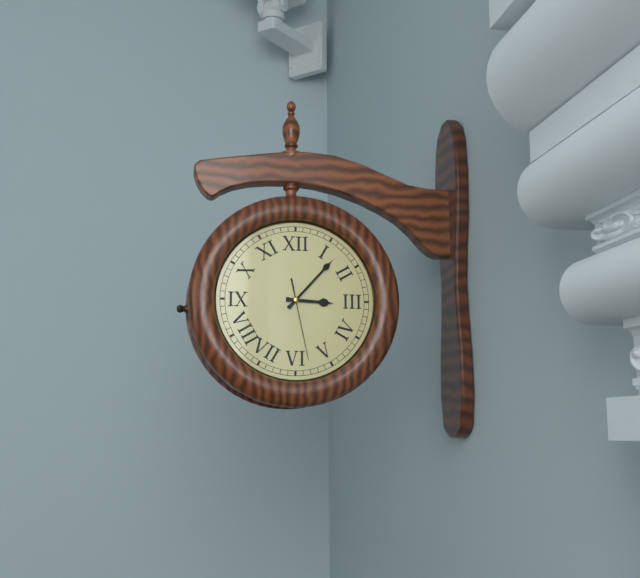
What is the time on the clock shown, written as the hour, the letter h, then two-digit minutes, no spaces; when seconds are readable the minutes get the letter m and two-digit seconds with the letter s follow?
3h07m28s
